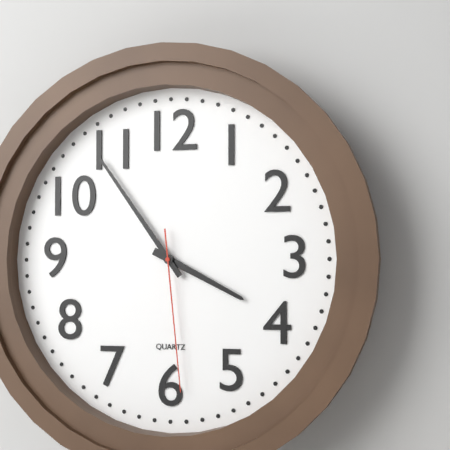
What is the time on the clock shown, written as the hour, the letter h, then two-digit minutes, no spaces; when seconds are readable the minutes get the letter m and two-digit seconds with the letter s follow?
3h54m29s
